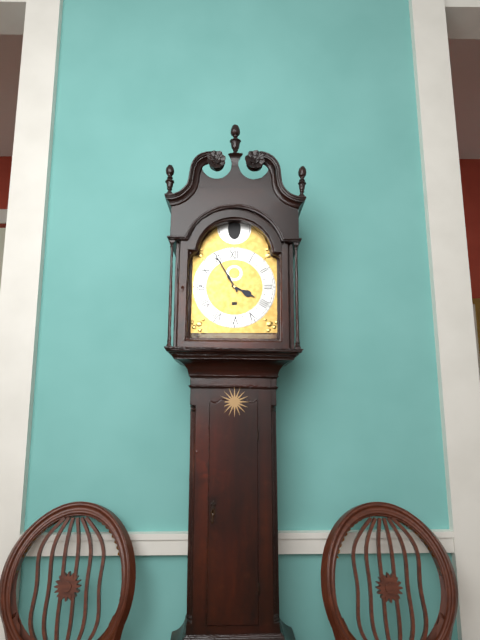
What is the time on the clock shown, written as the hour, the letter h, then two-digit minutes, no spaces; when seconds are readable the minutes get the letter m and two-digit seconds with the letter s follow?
3h55
